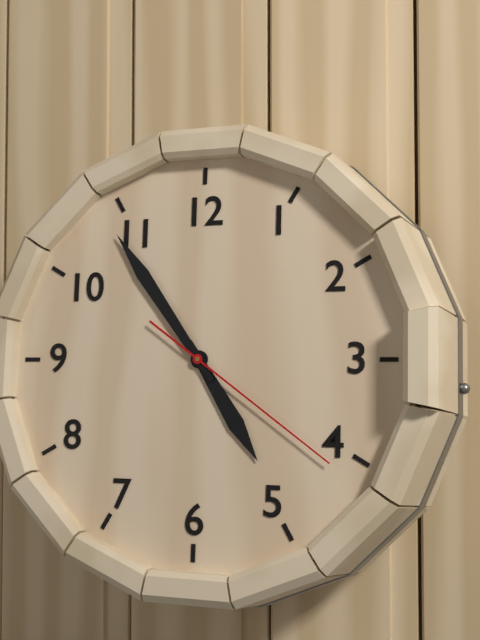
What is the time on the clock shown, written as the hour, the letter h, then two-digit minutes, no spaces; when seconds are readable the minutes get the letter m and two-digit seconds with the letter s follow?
4h54m21s
